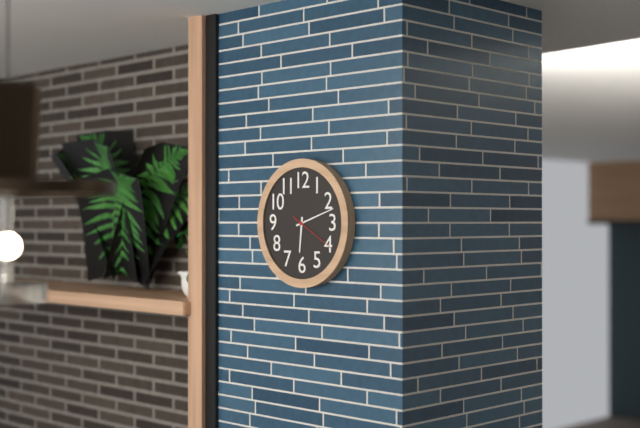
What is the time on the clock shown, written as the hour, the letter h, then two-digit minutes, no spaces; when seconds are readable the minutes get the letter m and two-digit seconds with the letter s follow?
6h12m20s
